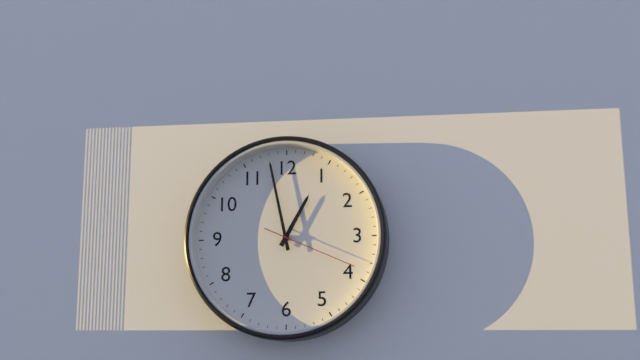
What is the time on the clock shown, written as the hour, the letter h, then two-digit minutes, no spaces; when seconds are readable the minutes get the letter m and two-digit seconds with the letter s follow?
12h58m19s
